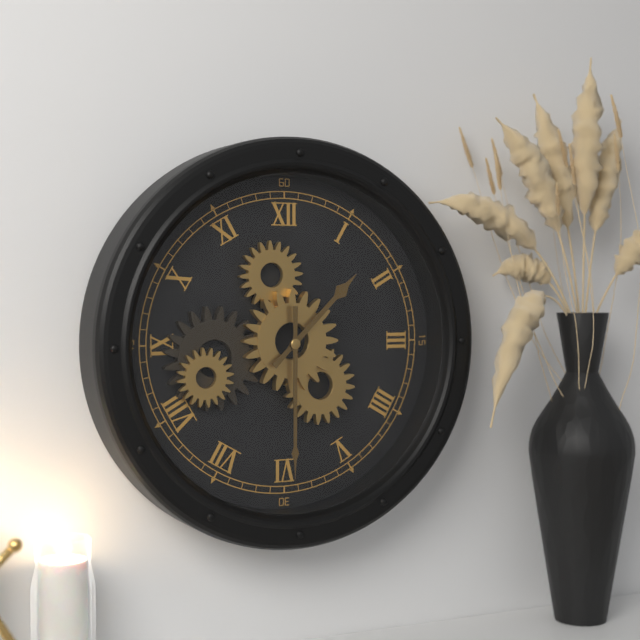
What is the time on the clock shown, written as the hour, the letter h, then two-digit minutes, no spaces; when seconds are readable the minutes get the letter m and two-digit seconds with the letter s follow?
1h30
